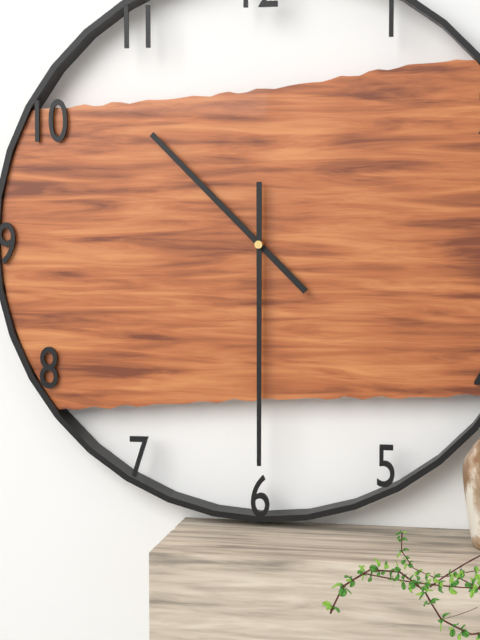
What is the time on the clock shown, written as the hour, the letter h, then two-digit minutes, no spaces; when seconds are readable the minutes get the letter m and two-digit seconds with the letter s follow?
10h30
